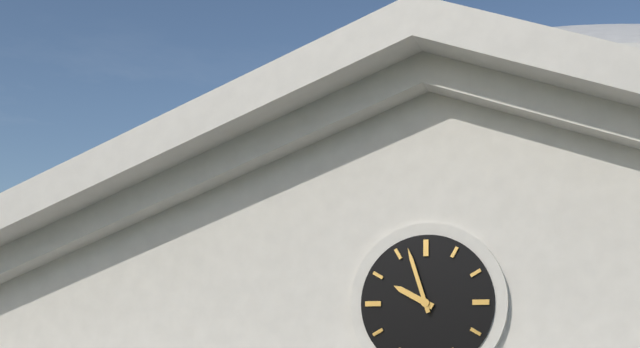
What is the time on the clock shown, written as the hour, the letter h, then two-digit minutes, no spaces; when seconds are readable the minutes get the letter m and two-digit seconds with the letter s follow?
9h57
